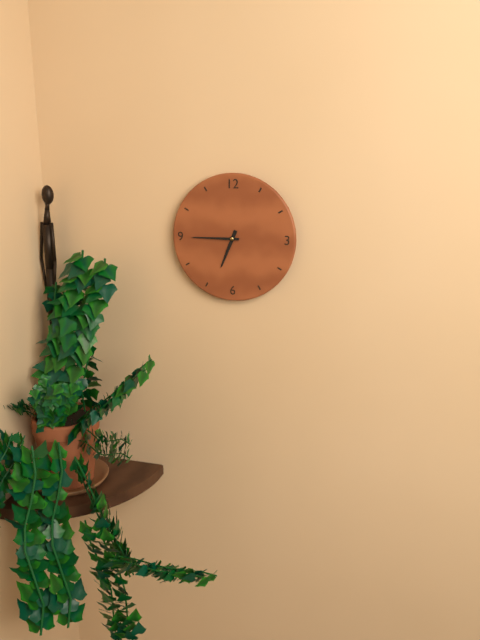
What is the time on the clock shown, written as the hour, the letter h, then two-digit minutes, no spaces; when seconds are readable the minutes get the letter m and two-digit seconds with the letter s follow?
6h45
